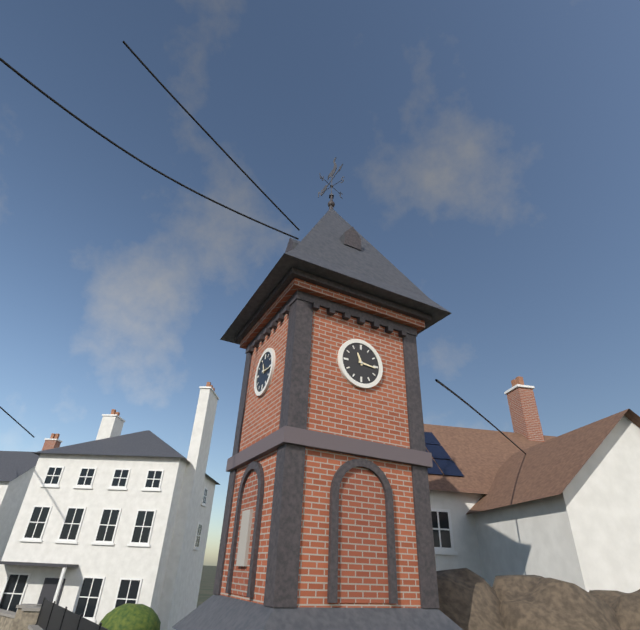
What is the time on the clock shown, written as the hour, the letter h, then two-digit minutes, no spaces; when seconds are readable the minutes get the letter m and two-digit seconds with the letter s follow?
11h16
